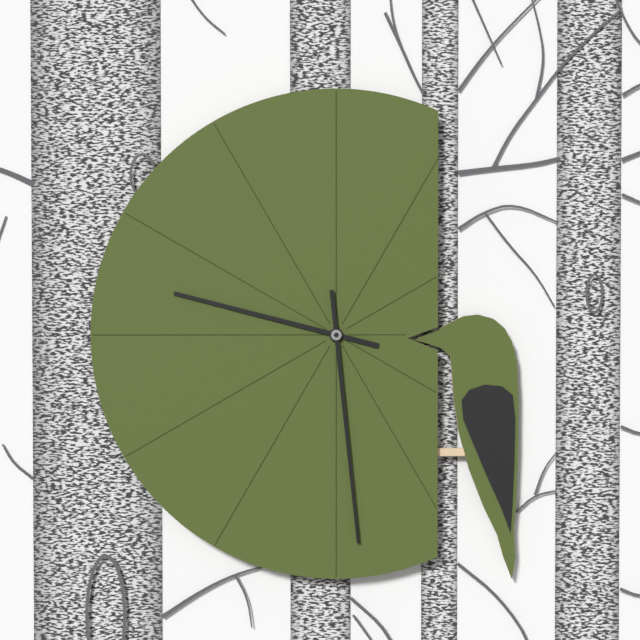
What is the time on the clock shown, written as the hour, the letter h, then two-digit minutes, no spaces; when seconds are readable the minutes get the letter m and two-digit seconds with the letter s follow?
9h29
